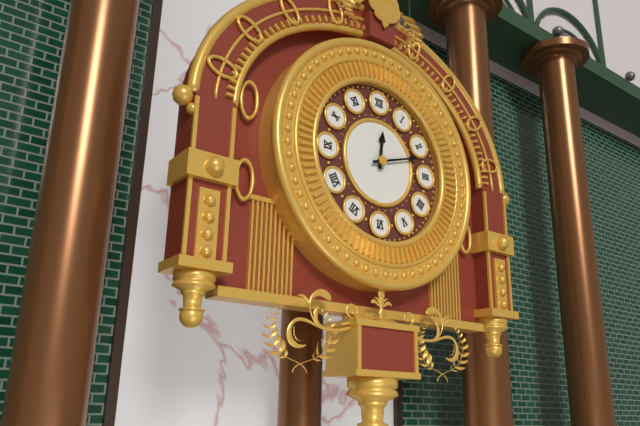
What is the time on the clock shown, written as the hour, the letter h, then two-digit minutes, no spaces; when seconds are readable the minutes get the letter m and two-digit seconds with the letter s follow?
12h12
